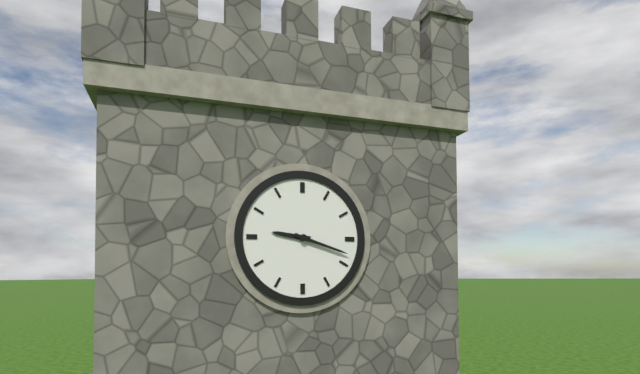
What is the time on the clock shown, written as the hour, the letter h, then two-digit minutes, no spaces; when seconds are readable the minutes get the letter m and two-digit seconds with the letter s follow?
9h18
